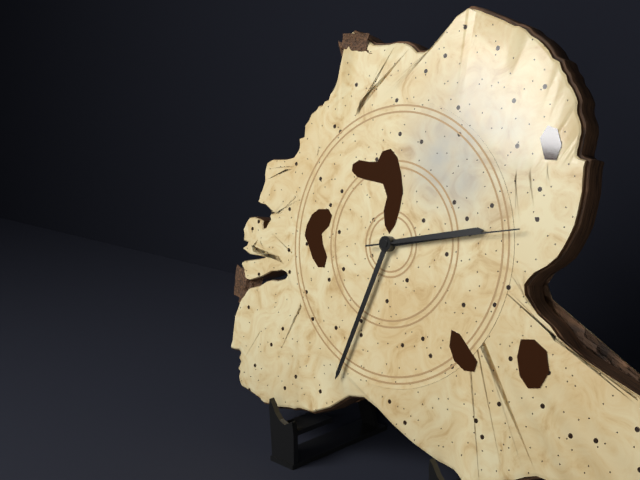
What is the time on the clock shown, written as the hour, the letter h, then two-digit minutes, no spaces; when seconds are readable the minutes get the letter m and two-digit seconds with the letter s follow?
2h33m13s
